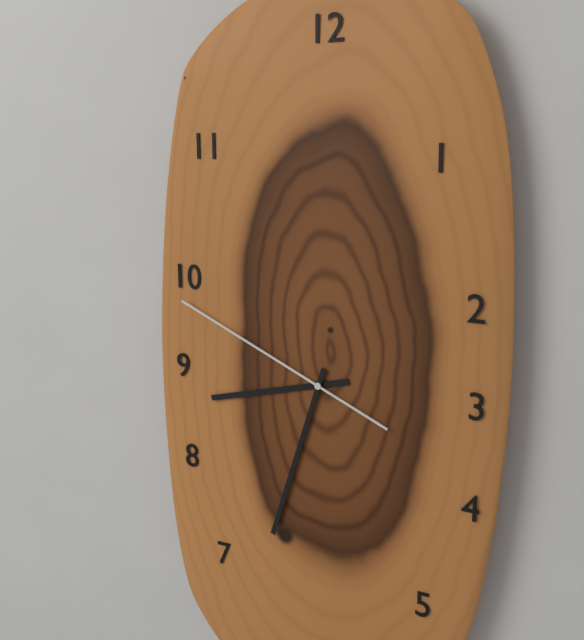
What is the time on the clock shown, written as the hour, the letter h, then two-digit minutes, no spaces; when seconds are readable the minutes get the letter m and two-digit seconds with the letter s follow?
8h33m49s
